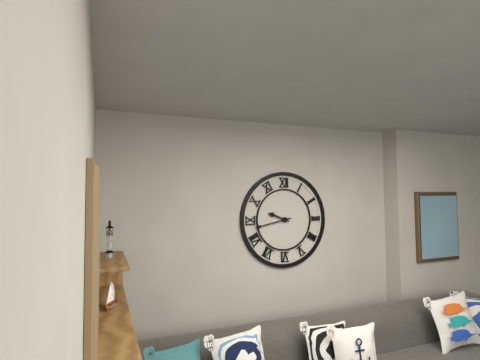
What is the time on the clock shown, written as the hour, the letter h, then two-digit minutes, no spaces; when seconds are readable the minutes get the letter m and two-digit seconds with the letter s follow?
9h43
